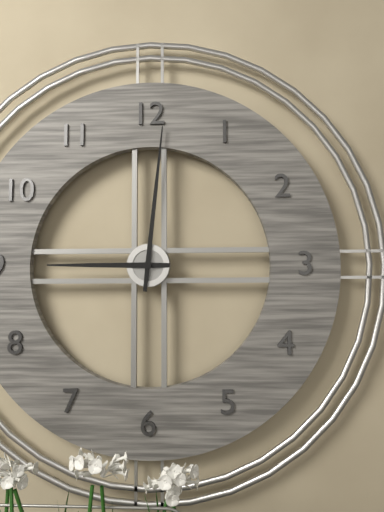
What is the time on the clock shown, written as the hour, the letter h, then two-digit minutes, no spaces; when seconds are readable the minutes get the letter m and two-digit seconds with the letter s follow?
9h01
